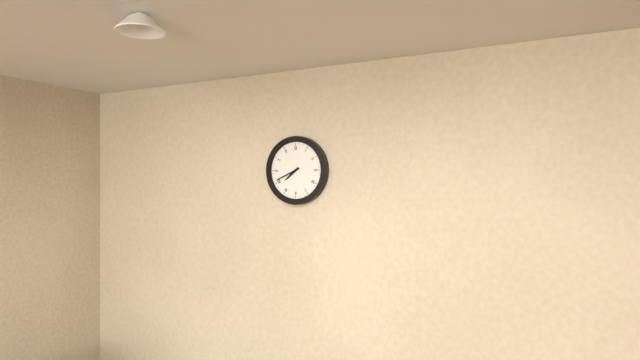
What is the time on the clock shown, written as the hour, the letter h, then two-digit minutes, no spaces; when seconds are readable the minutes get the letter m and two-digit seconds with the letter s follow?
7h41
